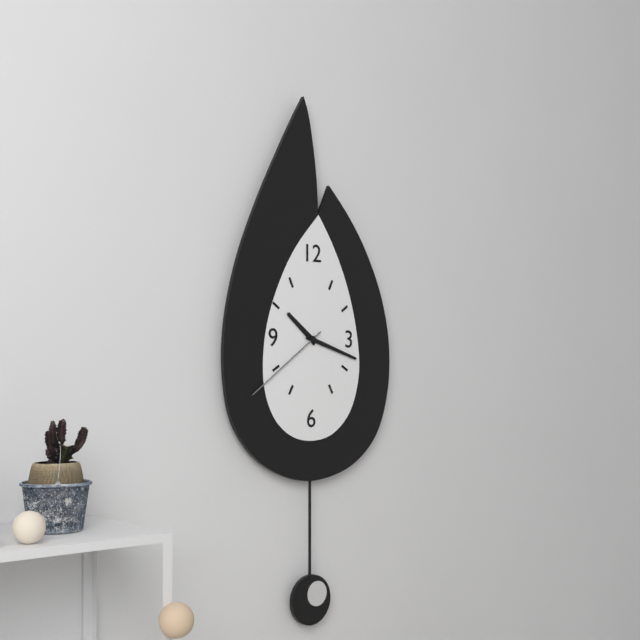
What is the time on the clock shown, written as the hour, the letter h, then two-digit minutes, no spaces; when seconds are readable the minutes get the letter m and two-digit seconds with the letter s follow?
10h18m39s
